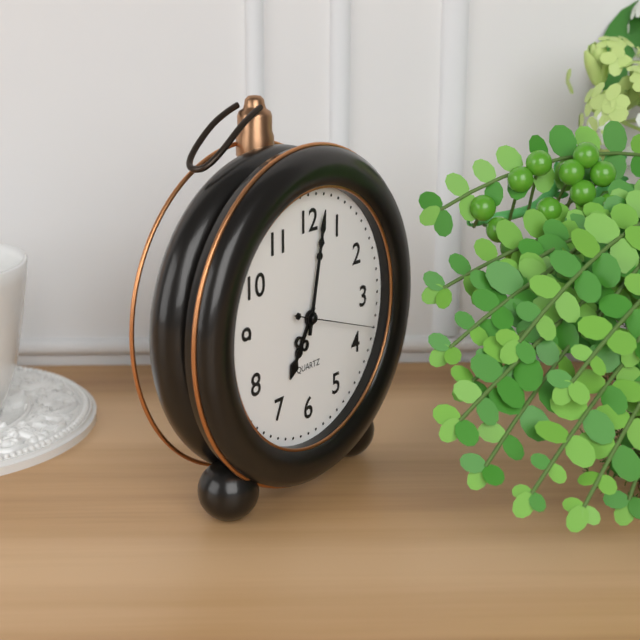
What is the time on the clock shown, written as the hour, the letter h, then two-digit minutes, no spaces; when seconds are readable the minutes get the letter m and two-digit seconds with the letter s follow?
7h02m18s
